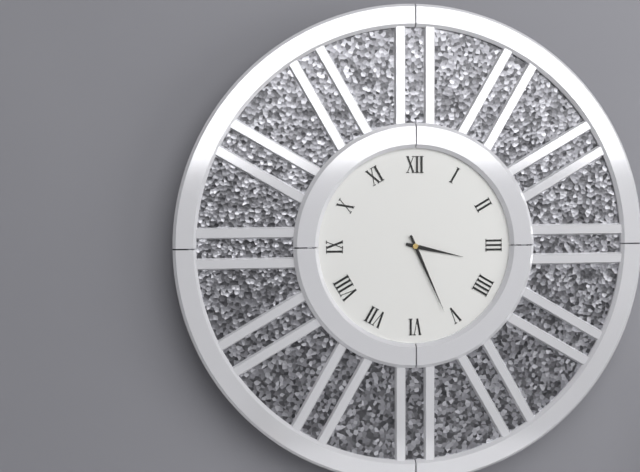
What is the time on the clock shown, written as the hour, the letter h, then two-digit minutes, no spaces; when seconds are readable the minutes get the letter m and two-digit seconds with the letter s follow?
3h26
